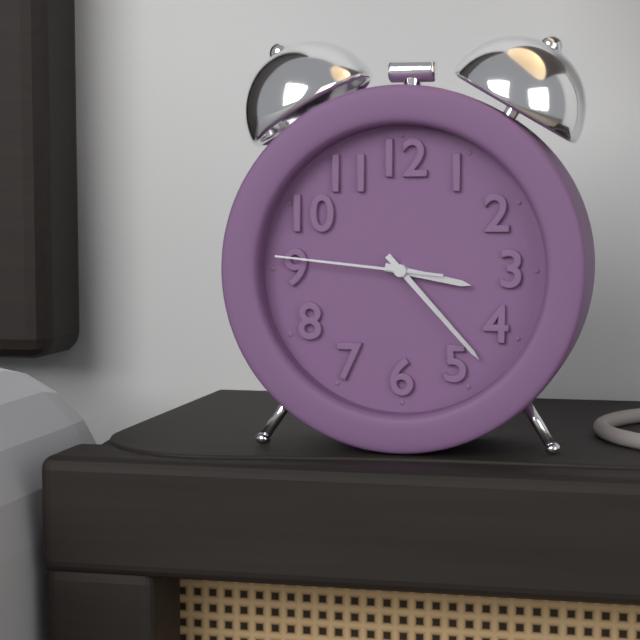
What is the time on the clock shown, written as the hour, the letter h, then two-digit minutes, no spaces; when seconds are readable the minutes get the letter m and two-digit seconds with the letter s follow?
3h23m46s
